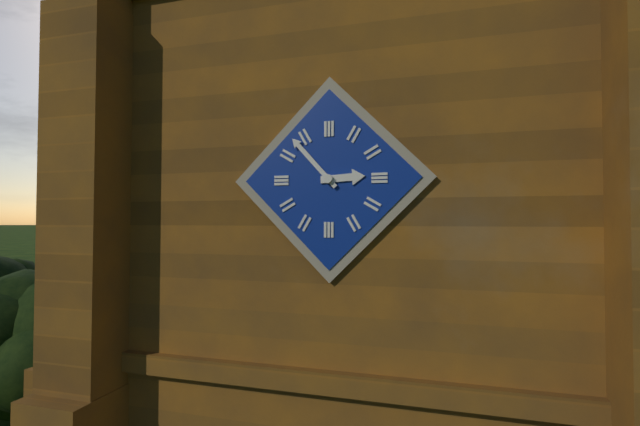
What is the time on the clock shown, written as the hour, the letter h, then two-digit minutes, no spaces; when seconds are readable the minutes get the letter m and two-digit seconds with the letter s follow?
2h53
